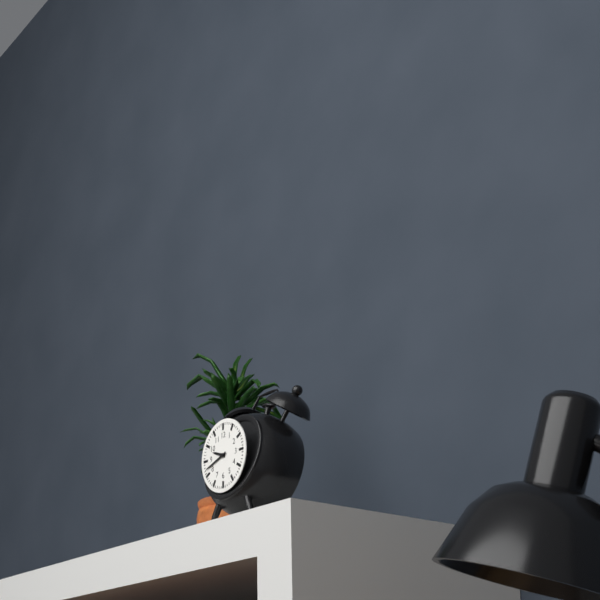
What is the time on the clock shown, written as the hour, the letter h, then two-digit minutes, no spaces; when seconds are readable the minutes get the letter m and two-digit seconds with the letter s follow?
9h42
